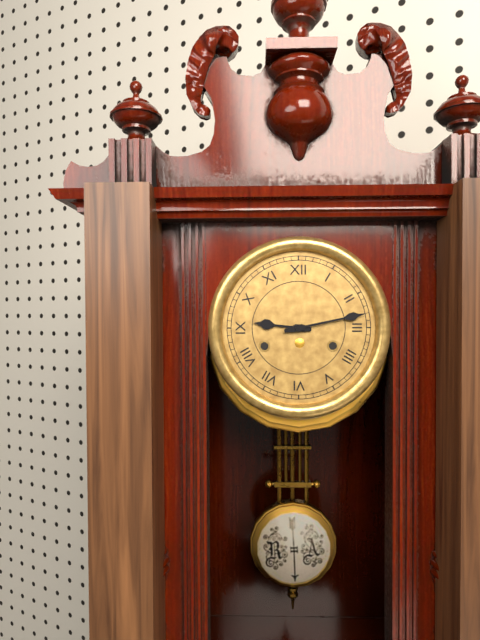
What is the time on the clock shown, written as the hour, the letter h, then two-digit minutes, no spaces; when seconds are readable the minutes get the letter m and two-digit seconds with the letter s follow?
9h13
